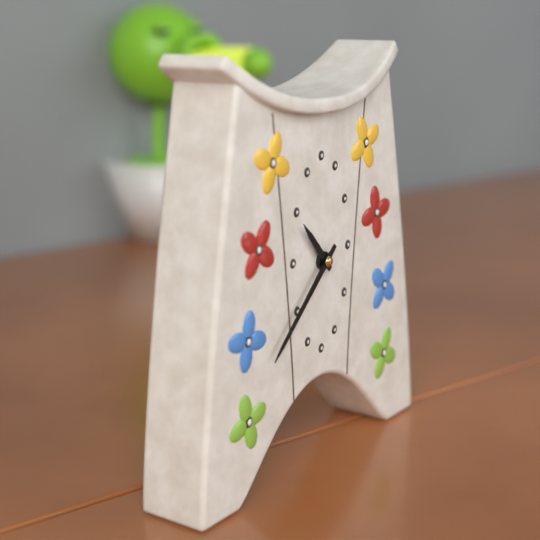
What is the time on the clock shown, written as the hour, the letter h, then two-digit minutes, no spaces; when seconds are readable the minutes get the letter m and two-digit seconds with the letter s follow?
10h38
